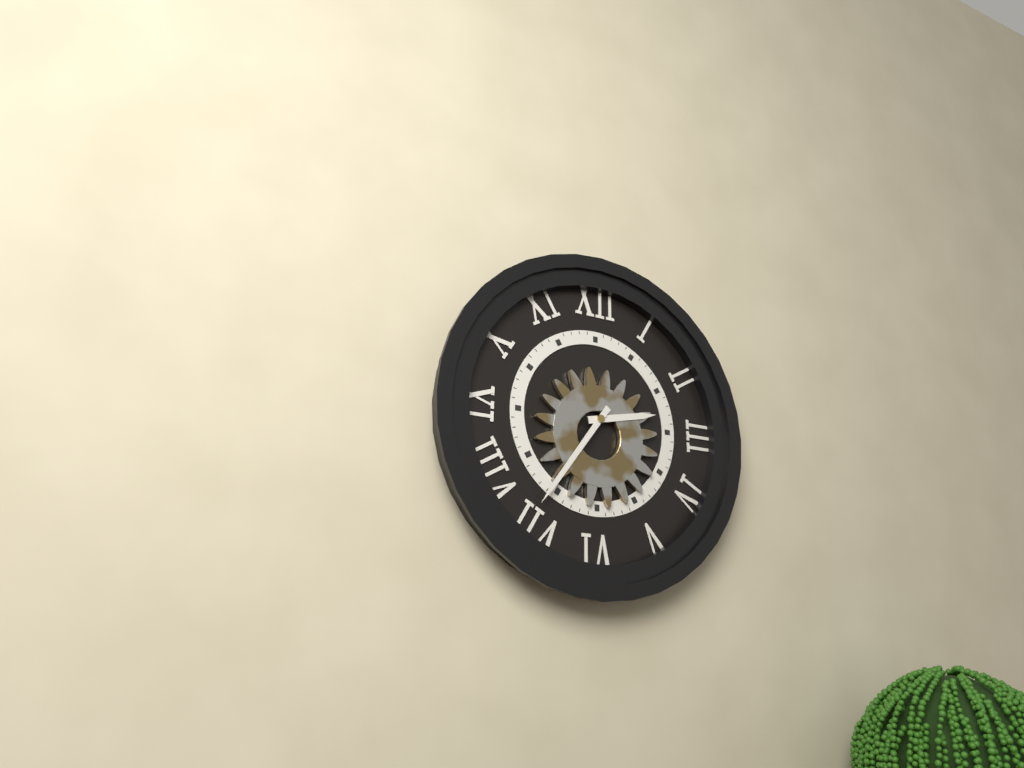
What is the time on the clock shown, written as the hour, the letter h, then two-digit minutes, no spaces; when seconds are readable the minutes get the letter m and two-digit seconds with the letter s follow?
2h36
